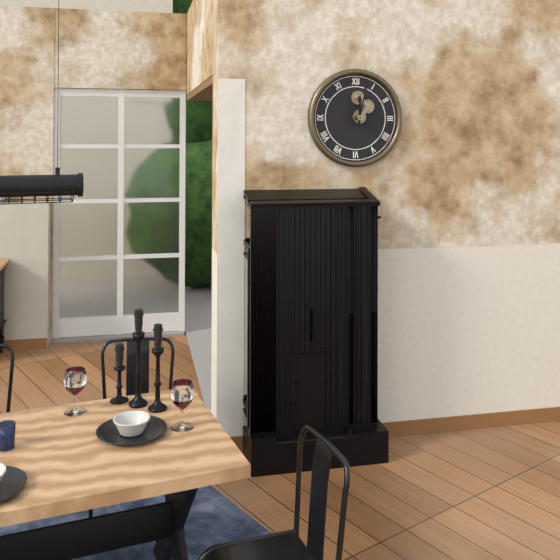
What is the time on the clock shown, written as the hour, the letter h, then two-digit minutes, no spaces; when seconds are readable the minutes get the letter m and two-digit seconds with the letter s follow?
12h02
